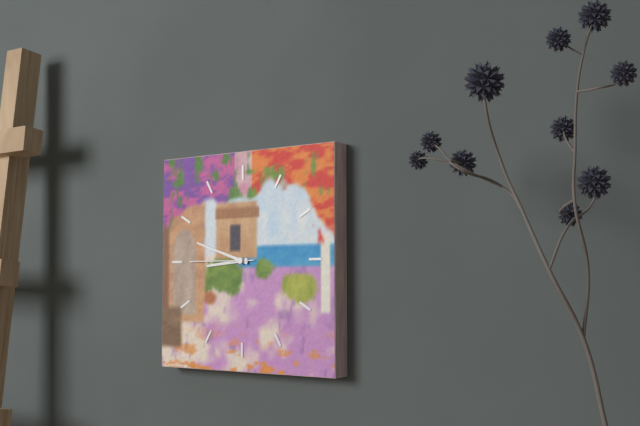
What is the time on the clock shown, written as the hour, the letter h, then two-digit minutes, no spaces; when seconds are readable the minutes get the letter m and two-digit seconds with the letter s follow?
8h48m45s
